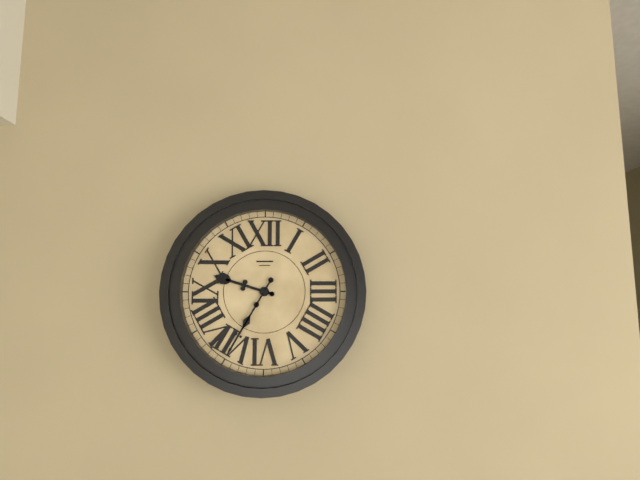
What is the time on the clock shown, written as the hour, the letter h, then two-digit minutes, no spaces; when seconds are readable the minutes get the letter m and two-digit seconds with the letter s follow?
9h35
